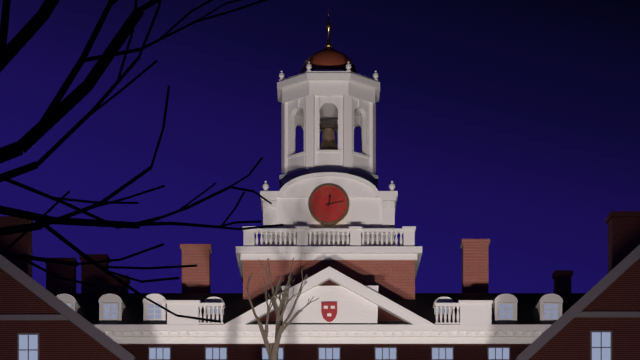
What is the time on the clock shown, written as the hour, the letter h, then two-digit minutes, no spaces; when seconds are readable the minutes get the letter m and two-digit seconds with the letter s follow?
12h13
